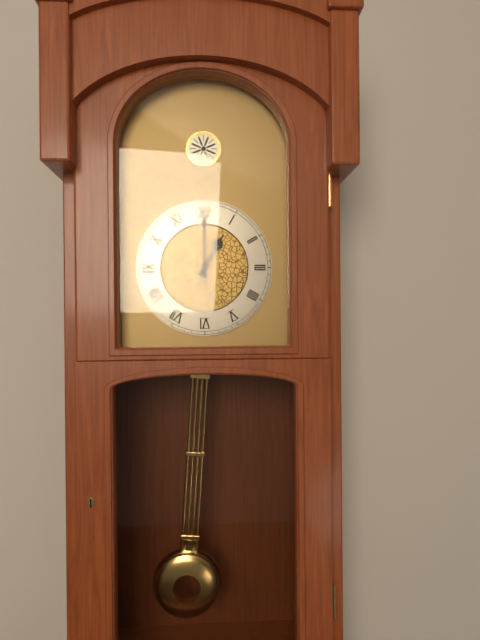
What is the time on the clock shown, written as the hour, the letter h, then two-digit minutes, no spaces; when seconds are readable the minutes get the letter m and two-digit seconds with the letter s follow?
1h00
